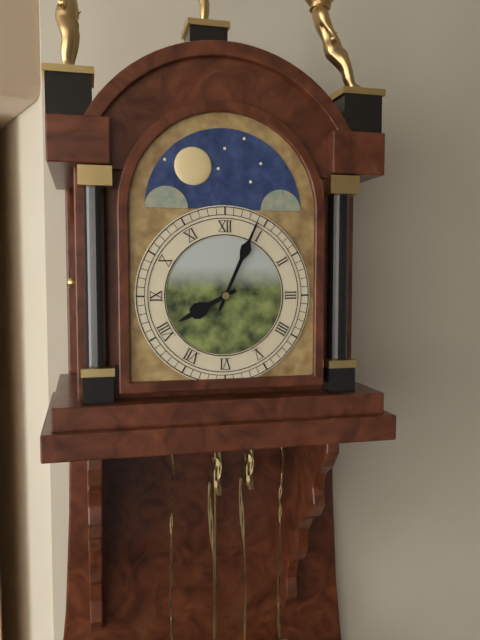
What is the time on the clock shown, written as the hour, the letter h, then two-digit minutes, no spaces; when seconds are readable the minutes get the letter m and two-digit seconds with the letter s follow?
8h04
